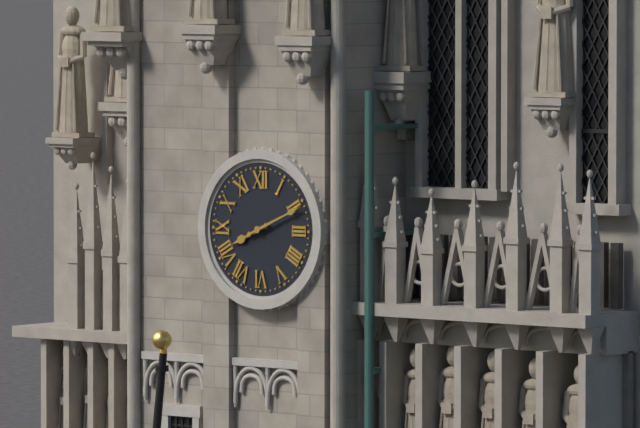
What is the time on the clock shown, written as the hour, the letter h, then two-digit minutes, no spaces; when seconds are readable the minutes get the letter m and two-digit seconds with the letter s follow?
8h11
